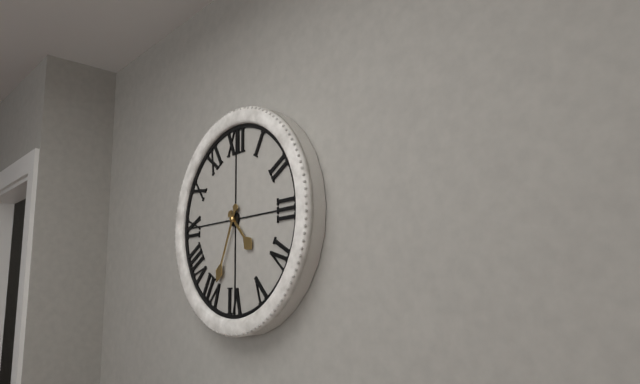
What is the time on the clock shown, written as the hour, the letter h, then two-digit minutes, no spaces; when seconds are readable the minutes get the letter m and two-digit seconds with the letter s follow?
4h34
